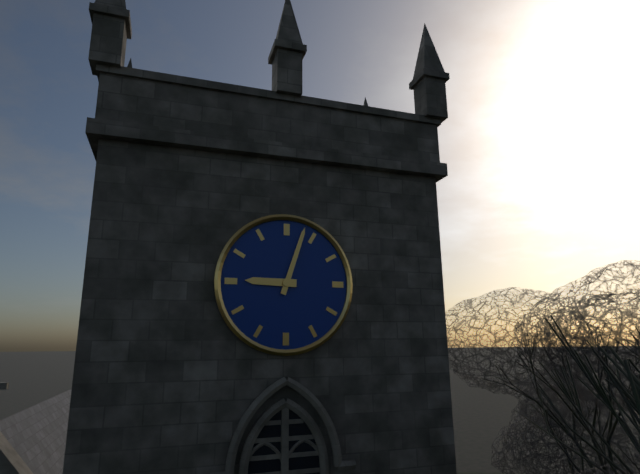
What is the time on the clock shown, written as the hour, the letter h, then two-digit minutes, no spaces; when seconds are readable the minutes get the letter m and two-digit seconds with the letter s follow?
9h03
